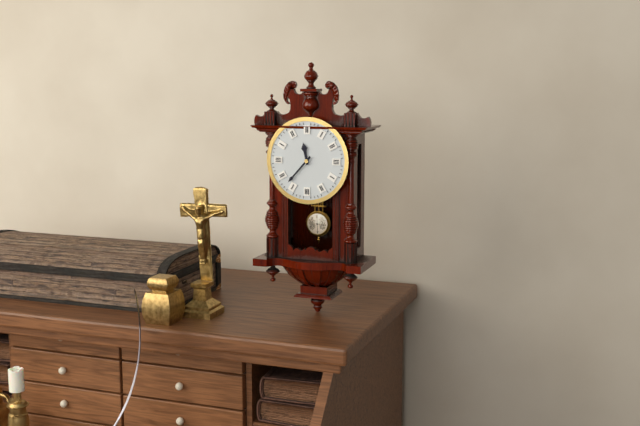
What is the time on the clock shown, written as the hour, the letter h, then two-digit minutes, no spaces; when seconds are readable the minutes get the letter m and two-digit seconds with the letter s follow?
11h37
